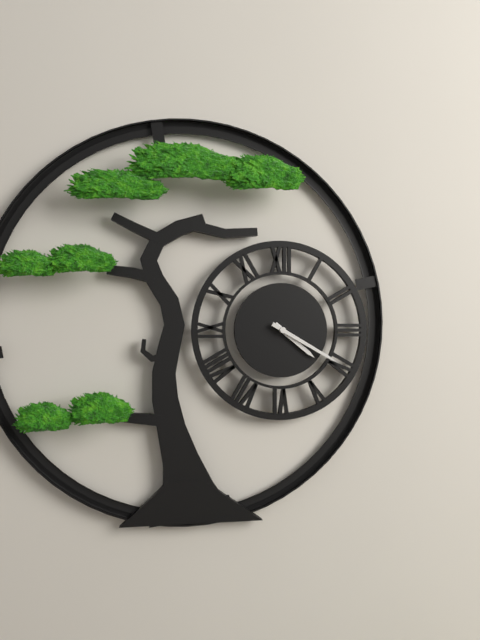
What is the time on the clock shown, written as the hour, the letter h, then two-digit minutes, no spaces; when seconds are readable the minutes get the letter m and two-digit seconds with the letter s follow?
4h20
